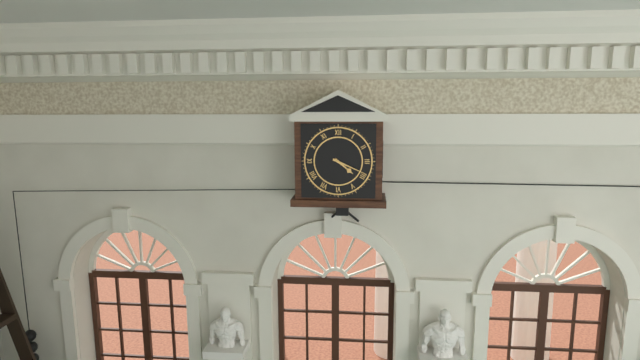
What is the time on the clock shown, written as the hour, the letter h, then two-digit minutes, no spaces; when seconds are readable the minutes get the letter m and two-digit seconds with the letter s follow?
4h19
